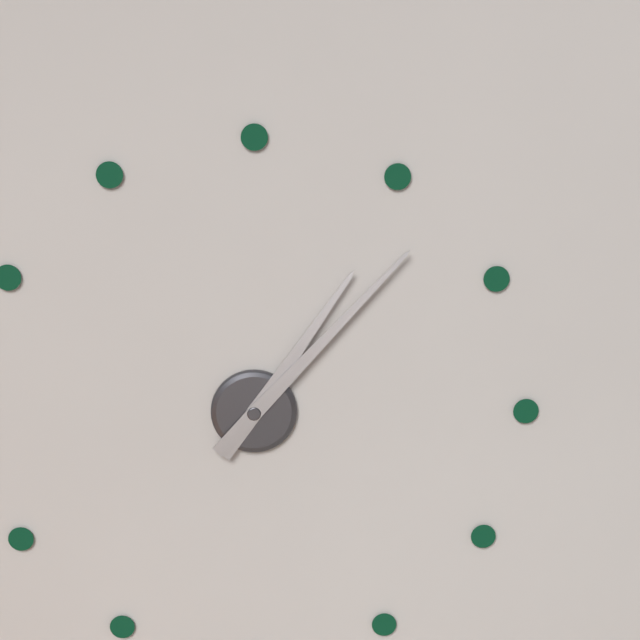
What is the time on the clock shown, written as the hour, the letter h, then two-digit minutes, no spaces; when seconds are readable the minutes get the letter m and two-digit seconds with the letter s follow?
1h07
